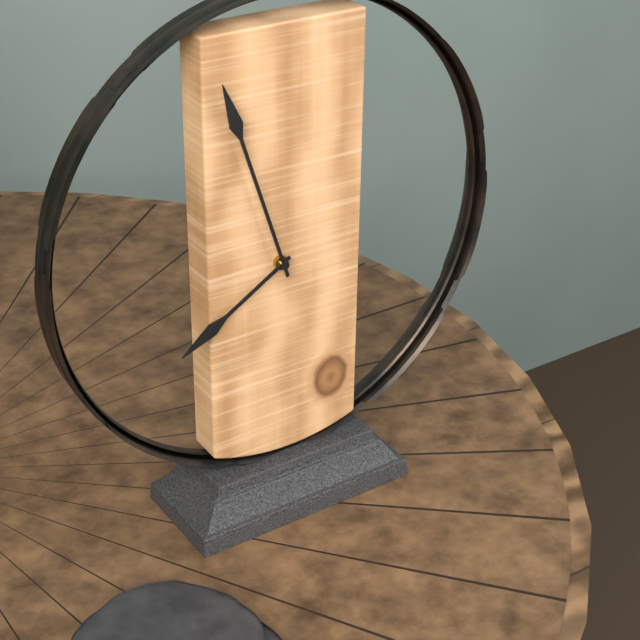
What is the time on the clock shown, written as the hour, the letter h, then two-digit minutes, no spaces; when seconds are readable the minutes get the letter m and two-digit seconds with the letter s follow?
7h57
